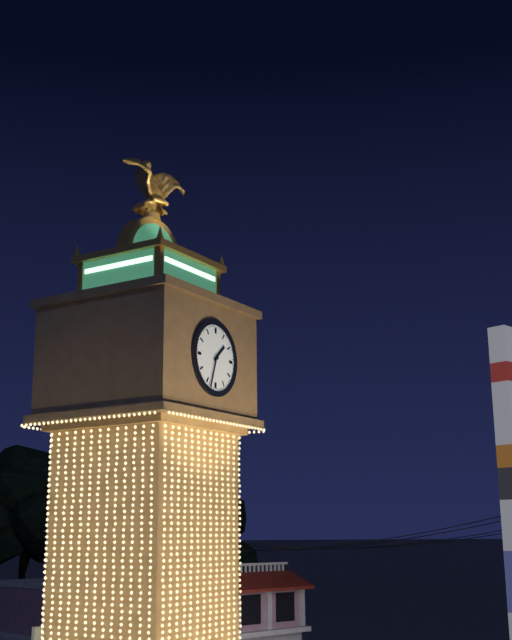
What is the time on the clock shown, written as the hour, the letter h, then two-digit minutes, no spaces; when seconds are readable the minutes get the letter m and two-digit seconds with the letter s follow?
1h33
